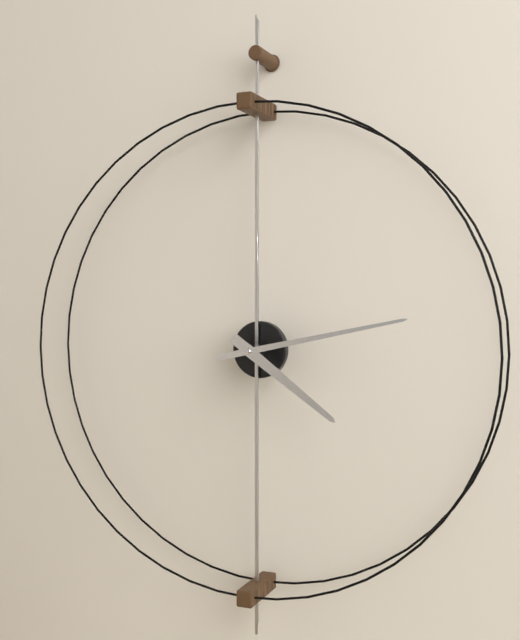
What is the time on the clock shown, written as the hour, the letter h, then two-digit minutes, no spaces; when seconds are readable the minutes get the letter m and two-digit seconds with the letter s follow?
4h13
